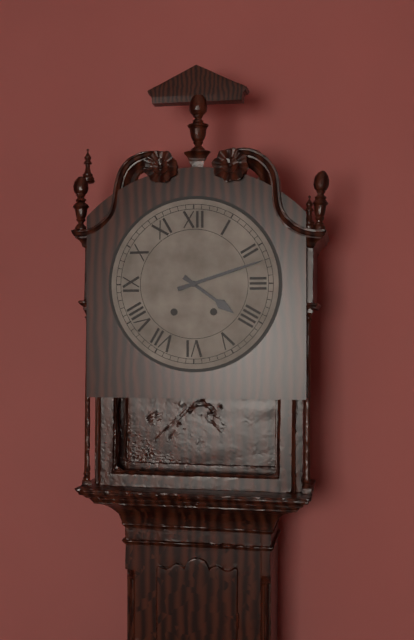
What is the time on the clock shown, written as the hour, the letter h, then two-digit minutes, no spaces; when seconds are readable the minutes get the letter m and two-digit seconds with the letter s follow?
4h12
